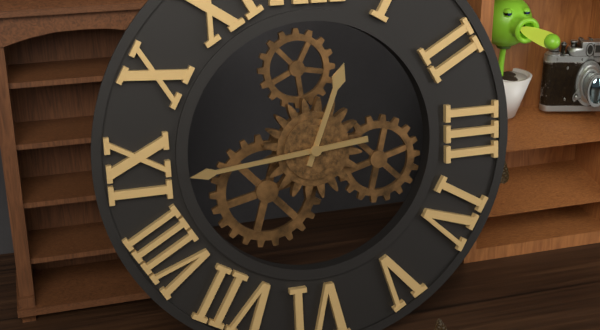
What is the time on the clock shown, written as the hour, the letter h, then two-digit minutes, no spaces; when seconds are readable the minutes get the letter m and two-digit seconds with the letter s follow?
12h44
